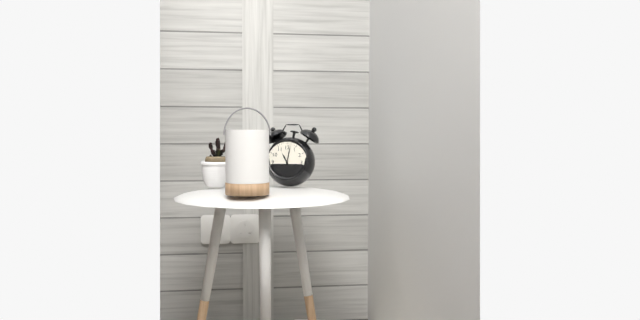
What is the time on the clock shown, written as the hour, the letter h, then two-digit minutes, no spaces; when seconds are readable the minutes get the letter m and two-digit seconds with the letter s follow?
11h02
